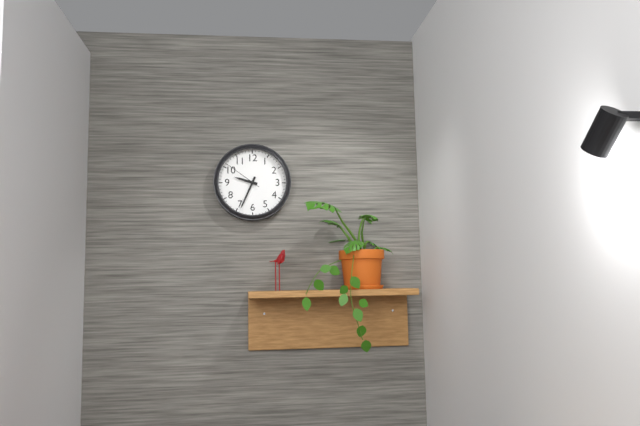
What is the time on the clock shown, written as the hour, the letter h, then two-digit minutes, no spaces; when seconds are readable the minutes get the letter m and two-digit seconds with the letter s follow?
9h34
